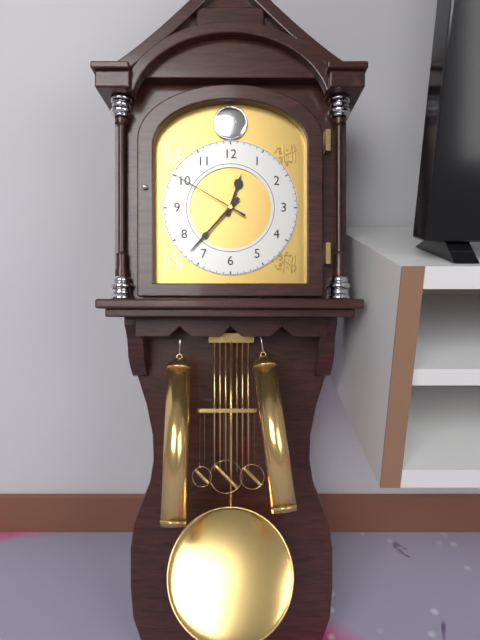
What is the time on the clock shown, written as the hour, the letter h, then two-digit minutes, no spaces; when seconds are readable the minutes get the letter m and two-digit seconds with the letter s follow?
12h37m50s
